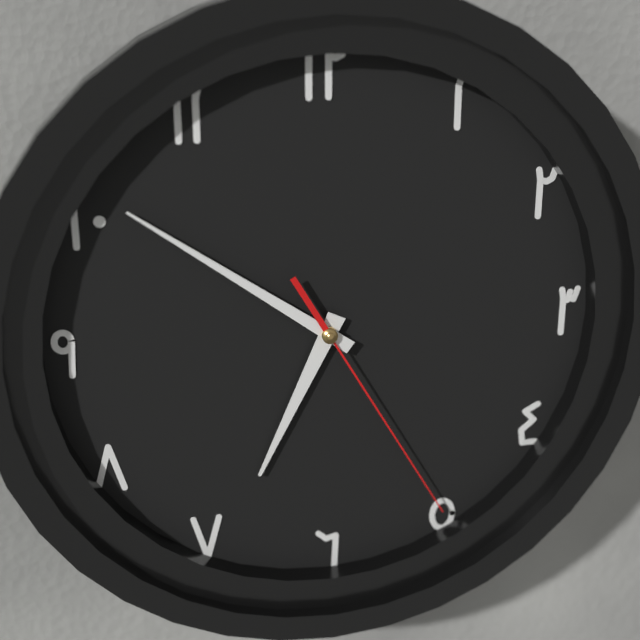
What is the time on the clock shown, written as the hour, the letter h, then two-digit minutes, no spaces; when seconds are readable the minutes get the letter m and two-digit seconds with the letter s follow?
6h51m25s
